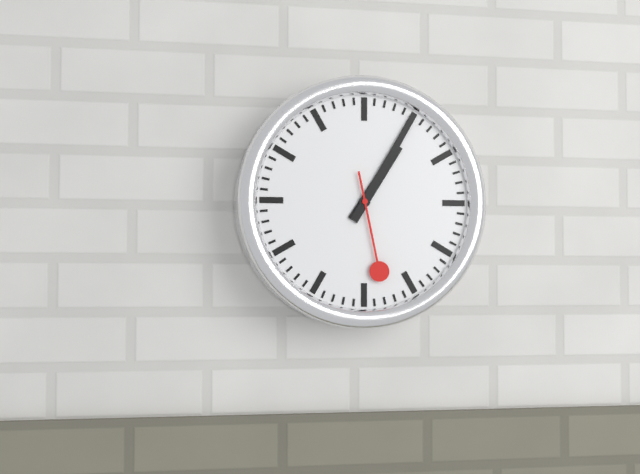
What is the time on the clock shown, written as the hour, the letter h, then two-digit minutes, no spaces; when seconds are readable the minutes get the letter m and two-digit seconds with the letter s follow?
1h05m28s
